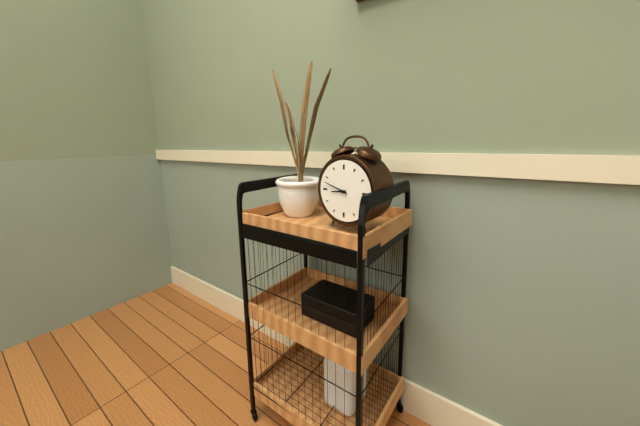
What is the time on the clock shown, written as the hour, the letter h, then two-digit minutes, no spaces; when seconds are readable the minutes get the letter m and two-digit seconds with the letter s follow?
8h48
